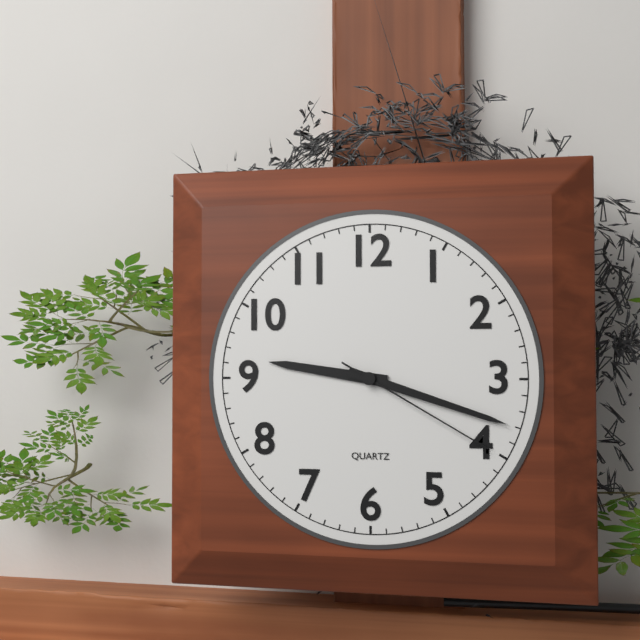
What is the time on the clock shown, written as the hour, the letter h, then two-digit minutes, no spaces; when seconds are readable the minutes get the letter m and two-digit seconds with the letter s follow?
9h18m20s
